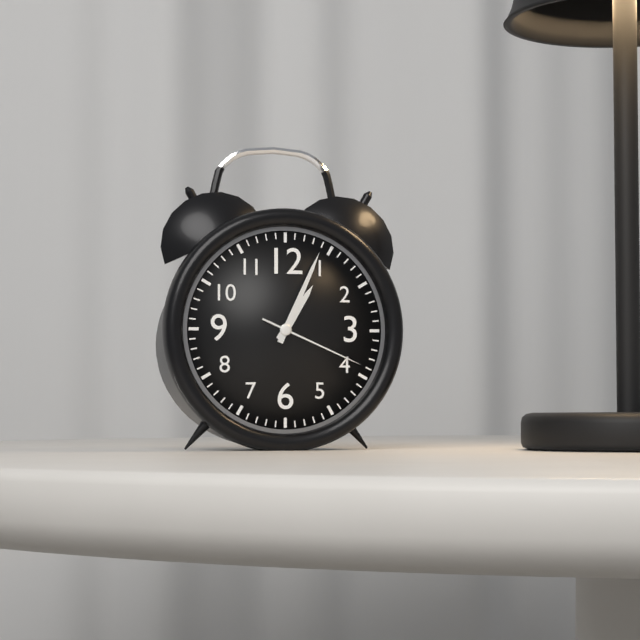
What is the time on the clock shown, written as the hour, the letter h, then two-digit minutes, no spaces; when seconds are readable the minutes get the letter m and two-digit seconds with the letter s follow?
1h04m19s
